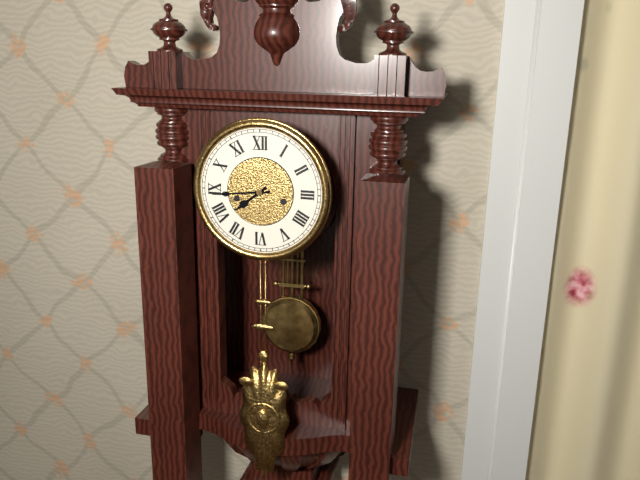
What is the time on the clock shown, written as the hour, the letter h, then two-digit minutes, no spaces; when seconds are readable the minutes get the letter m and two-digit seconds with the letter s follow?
7h44
